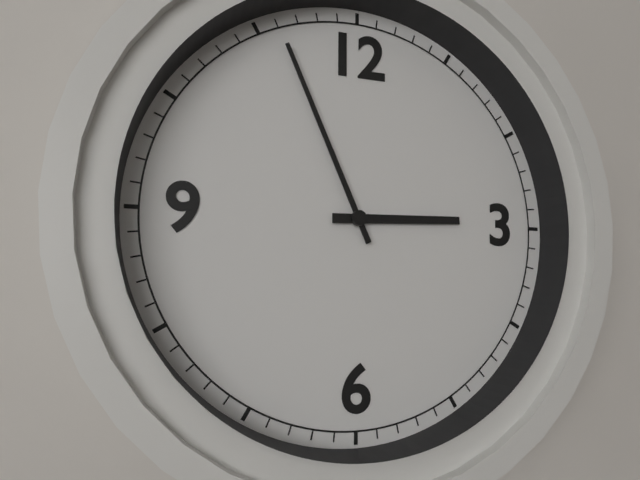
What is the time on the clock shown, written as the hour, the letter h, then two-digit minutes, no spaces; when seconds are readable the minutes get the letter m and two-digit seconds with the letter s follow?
2h56
